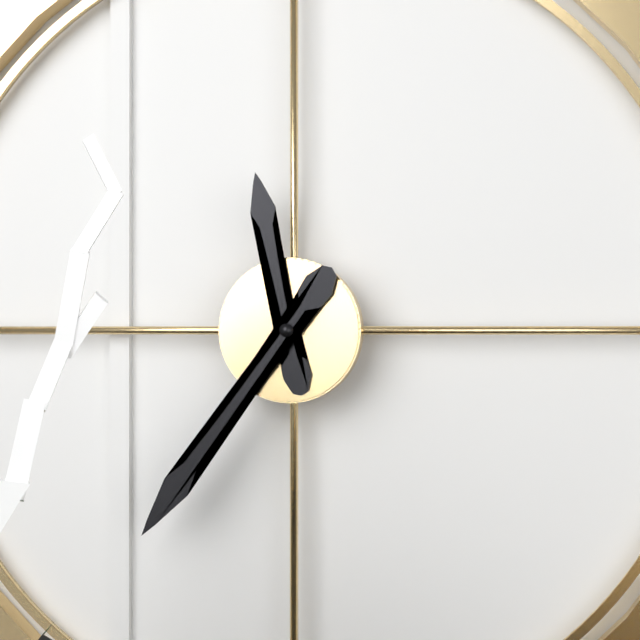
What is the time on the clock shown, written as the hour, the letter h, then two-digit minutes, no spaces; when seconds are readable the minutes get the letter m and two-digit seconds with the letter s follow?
11h36
